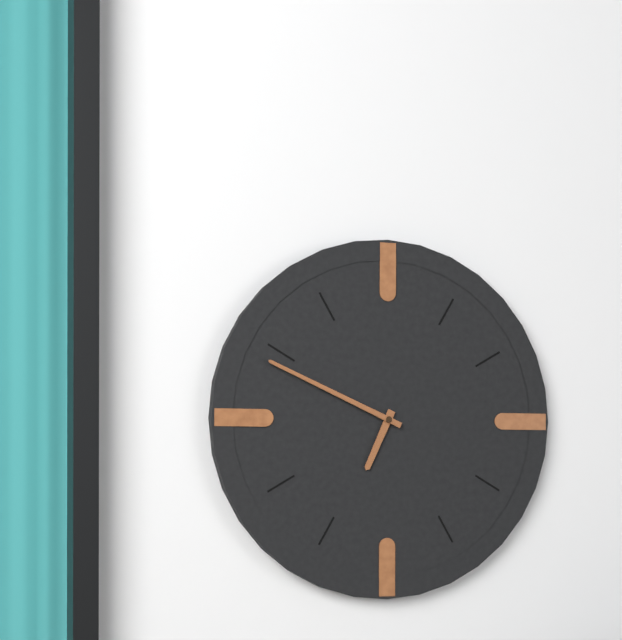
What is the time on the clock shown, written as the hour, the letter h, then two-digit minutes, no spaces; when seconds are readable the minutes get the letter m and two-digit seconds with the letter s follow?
6h49
